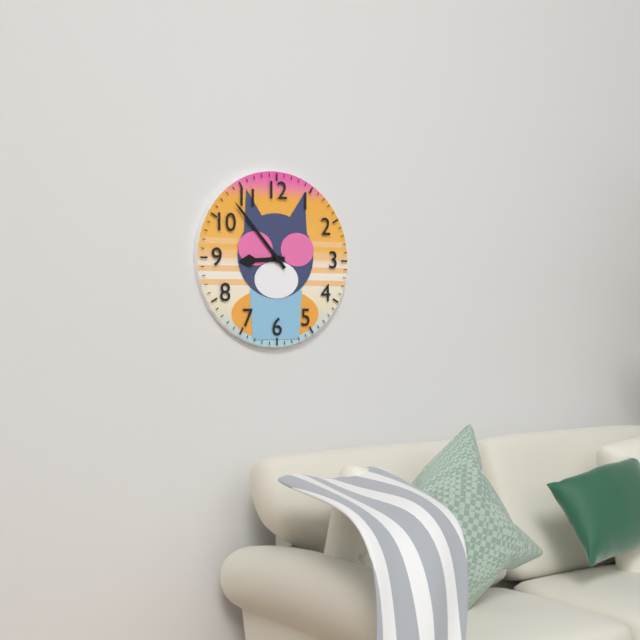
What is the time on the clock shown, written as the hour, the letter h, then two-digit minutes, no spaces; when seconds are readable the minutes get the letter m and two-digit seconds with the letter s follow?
8h53
